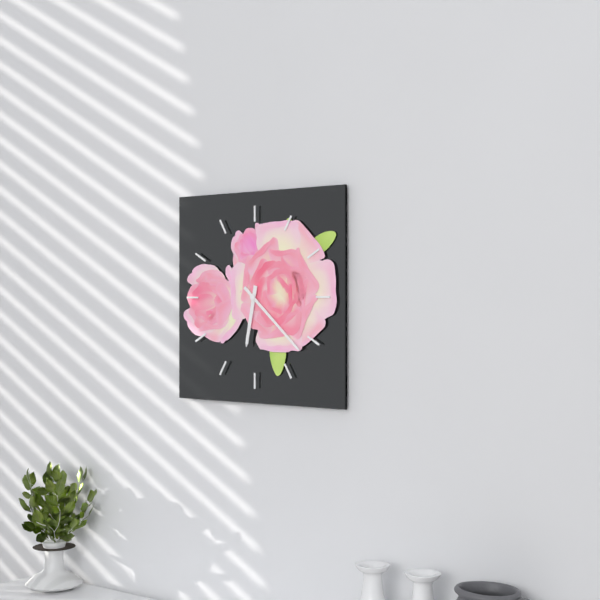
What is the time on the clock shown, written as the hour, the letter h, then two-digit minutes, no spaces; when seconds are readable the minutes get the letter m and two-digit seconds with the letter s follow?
6h22
